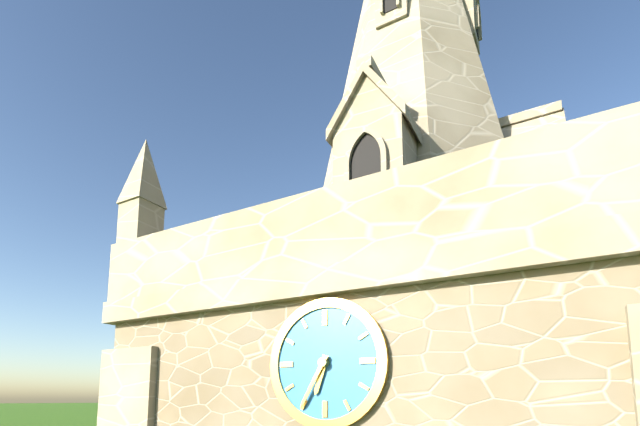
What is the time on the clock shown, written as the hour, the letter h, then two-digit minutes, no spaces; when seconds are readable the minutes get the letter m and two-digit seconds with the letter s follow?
6h35
